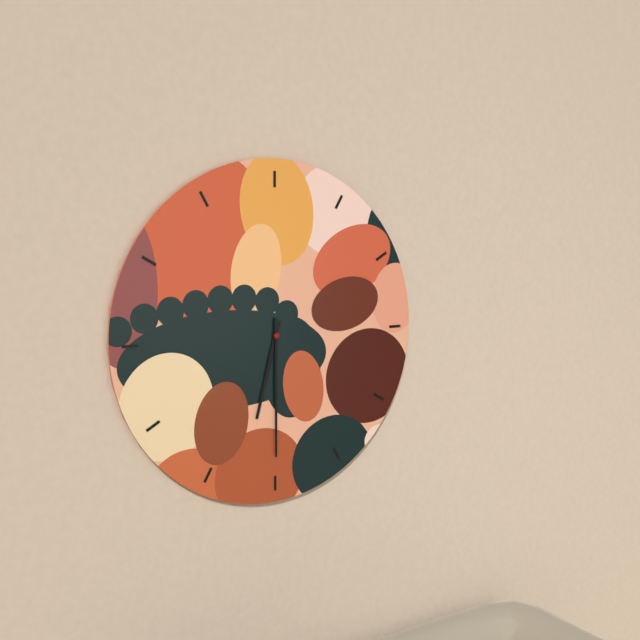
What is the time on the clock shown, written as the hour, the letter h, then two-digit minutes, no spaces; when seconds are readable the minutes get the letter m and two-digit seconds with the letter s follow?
6h30
